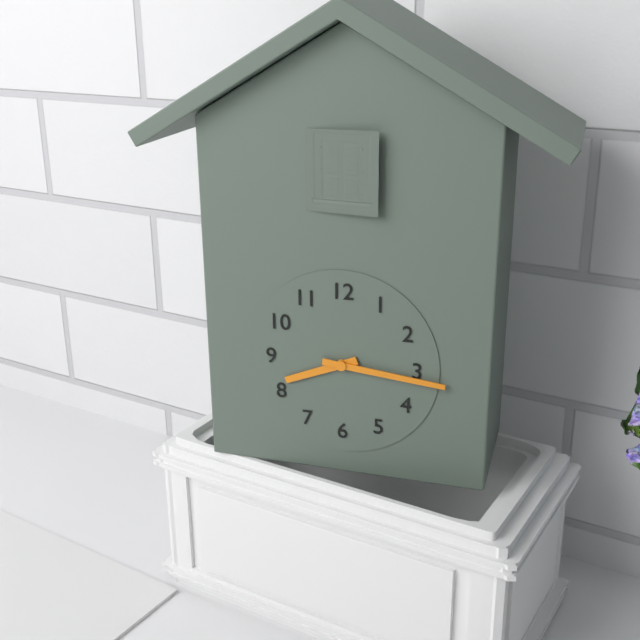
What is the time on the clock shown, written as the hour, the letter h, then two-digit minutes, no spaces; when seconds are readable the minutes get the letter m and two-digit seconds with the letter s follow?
8h16
